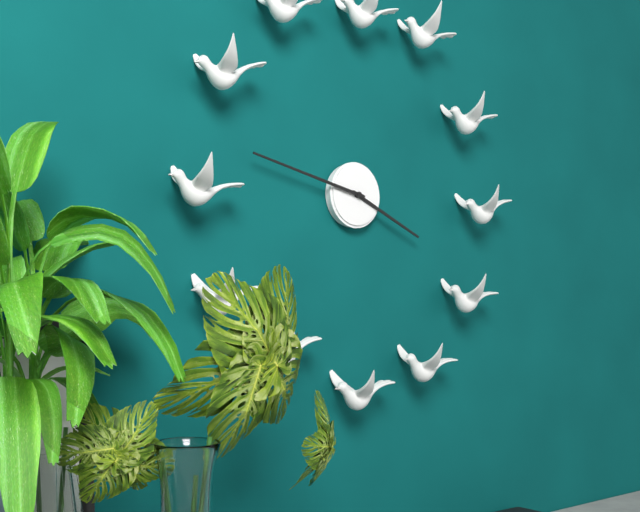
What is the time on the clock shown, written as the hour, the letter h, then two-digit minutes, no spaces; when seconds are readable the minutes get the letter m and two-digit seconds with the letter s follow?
3h47
